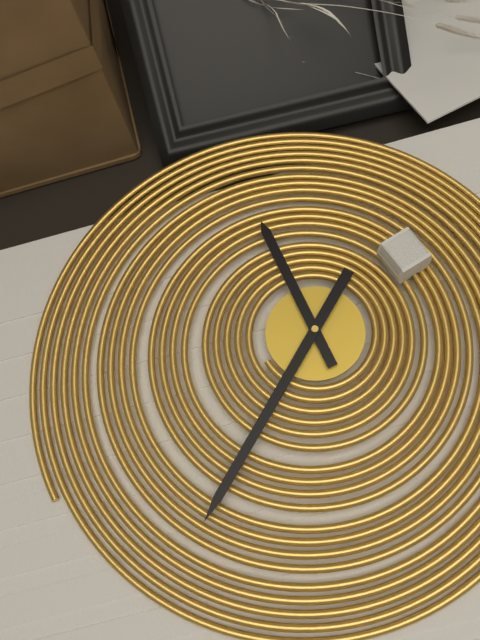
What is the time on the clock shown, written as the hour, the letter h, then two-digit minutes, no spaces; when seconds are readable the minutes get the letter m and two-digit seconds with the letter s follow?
11h37
